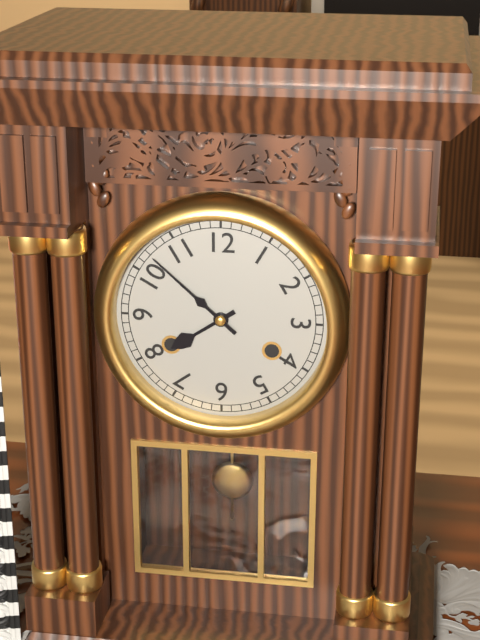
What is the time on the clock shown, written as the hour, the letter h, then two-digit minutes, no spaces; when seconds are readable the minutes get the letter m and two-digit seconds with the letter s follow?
7h52
